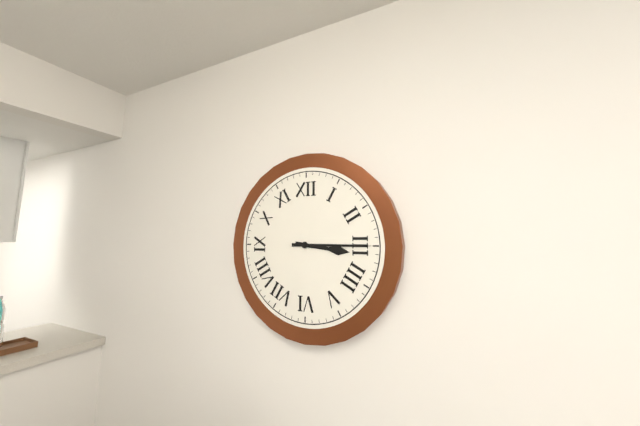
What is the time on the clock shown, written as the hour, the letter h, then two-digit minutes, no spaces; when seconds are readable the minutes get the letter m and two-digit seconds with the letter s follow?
3h15
